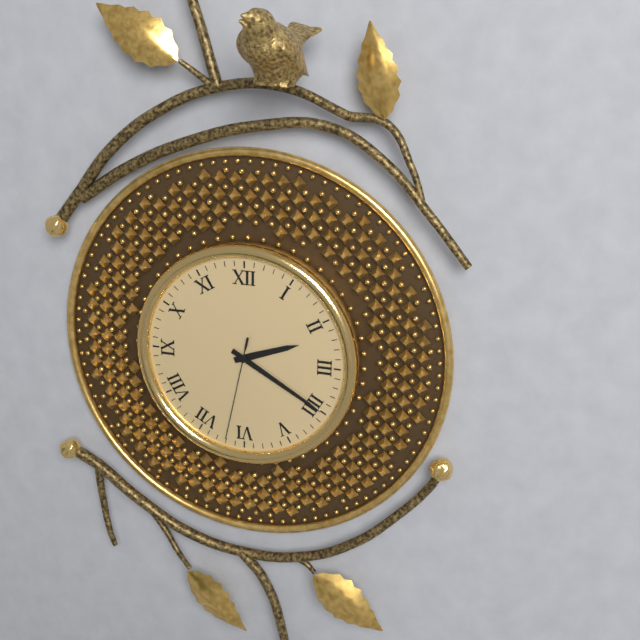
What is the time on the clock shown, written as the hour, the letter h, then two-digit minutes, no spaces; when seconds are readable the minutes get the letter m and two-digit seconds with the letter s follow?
2h20m32s
